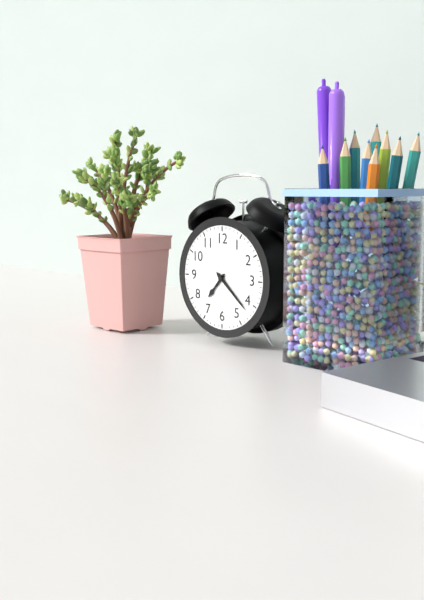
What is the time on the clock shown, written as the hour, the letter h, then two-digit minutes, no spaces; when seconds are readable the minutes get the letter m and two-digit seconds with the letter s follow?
7h22
